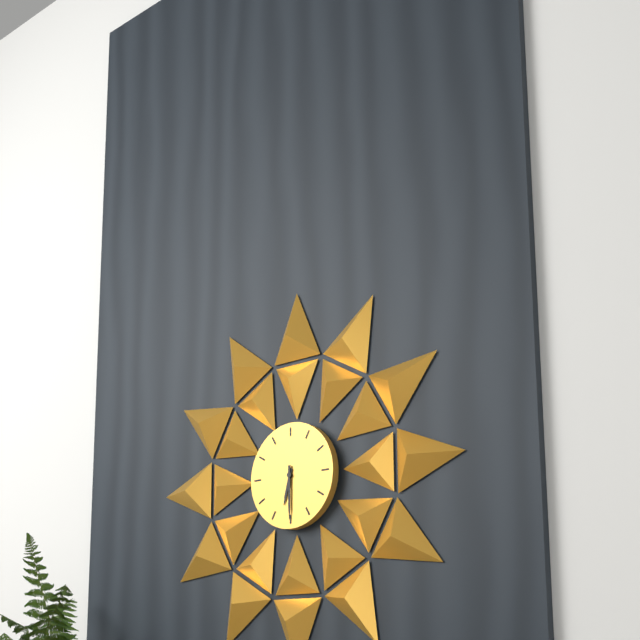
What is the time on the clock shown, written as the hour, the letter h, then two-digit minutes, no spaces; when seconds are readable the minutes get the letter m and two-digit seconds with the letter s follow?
6h30
